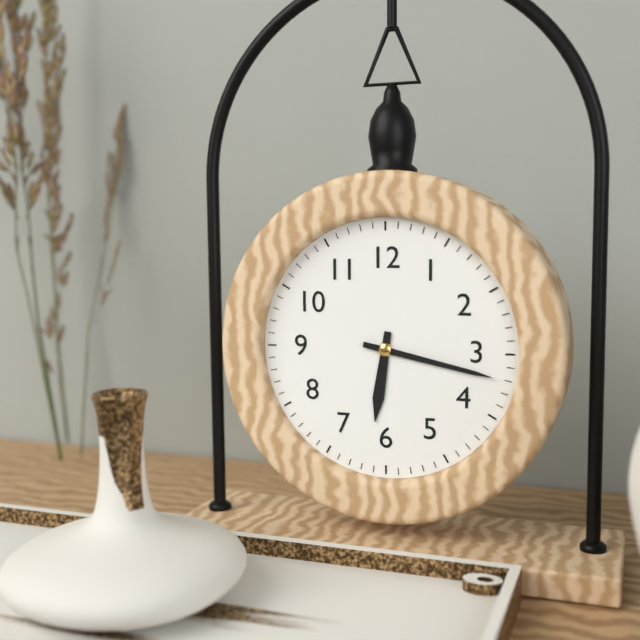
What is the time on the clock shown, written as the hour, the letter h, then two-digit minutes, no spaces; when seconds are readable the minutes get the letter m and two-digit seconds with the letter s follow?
6h17
